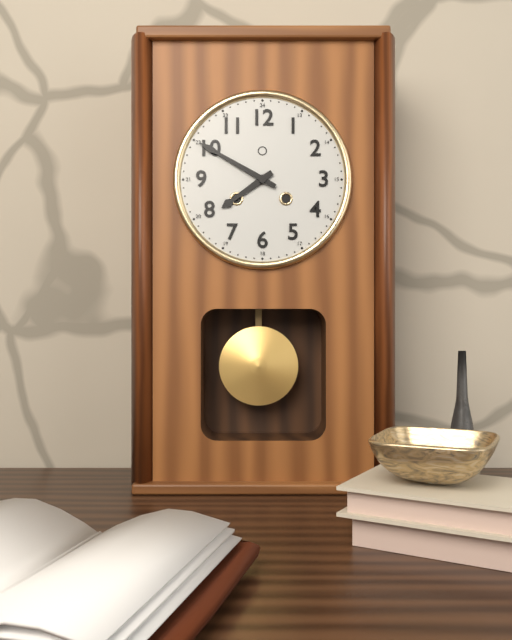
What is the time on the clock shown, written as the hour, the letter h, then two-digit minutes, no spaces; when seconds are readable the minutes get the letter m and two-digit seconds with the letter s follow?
7h50
